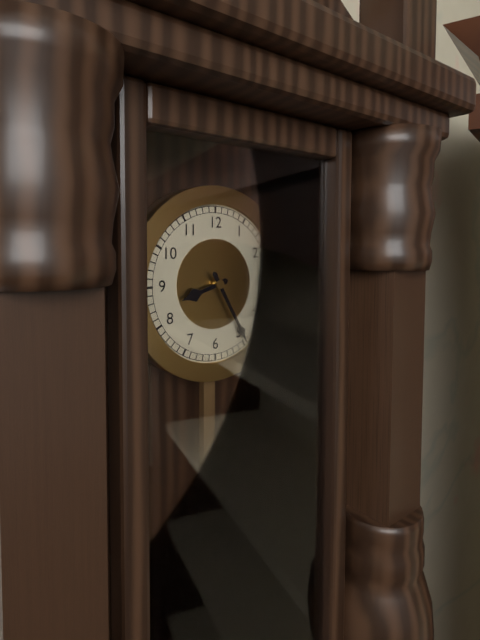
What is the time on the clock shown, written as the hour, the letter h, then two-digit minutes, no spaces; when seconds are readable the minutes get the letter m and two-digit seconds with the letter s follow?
8h25
